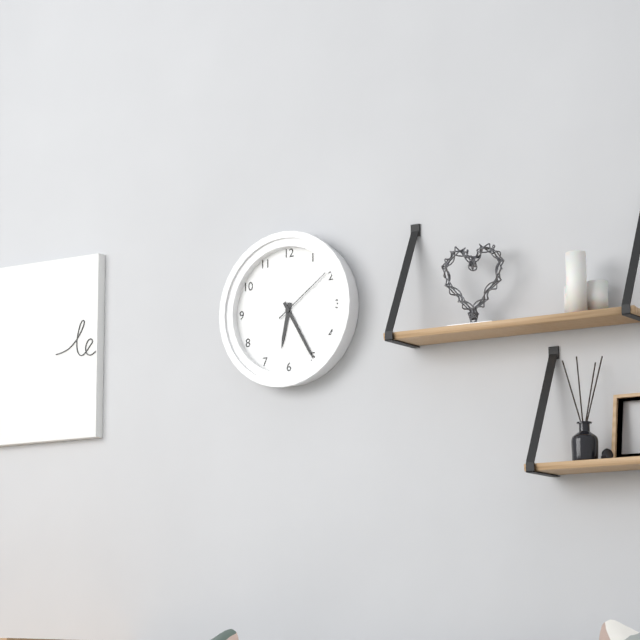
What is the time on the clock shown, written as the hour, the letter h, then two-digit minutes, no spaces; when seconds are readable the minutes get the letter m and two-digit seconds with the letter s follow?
6h25m09s
